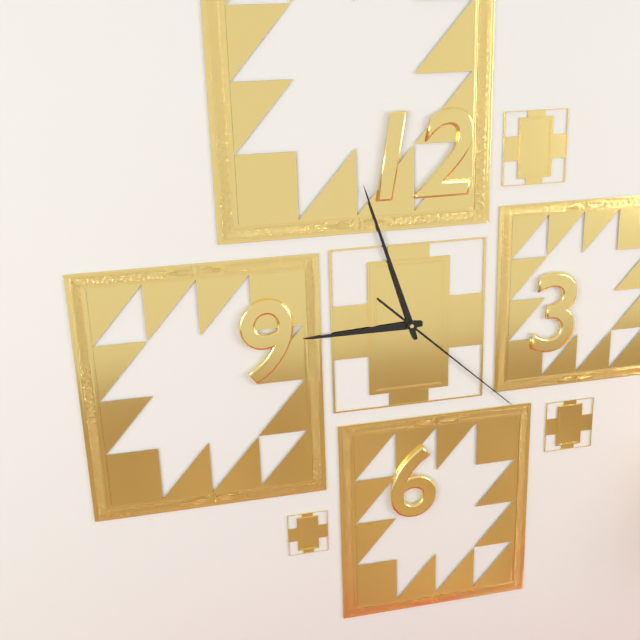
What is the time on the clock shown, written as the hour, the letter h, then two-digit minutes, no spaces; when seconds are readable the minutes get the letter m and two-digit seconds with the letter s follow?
8h57m22s
